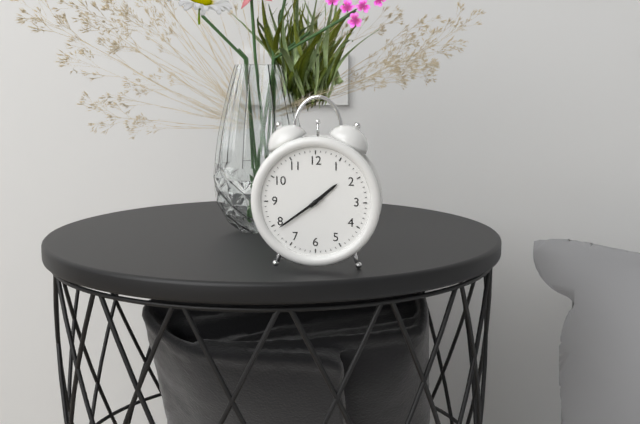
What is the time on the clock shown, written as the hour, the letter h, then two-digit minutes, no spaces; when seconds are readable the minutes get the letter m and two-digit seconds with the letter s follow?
1h39
